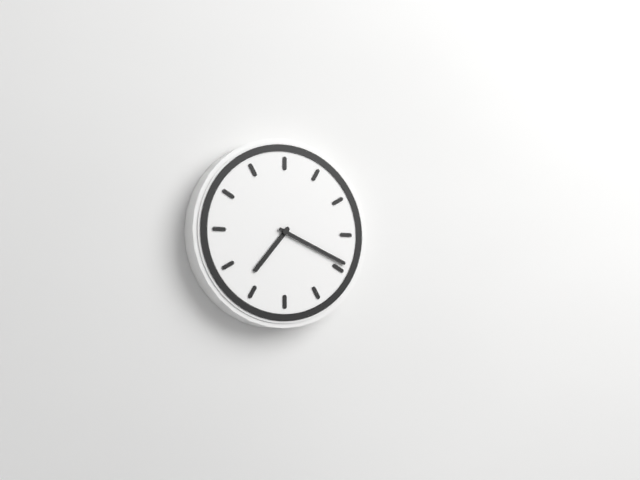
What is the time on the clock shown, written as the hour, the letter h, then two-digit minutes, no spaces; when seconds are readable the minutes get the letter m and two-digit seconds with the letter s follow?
7h19
